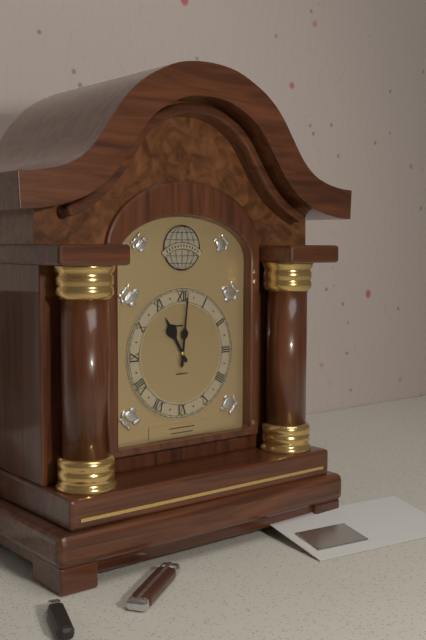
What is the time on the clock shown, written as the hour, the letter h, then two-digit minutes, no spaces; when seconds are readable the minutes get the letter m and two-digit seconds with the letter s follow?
11h01
